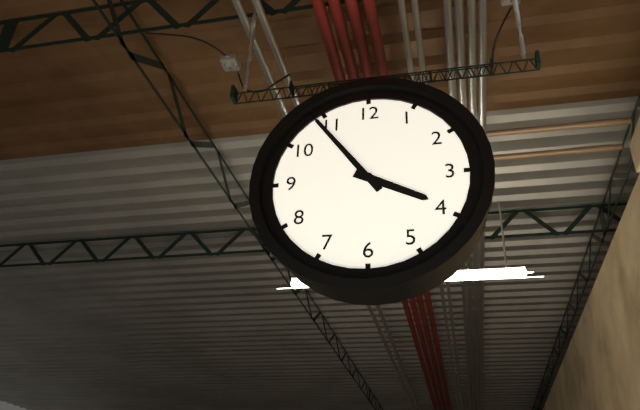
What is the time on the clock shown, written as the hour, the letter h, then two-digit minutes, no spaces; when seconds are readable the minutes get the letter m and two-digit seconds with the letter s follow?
3h54
